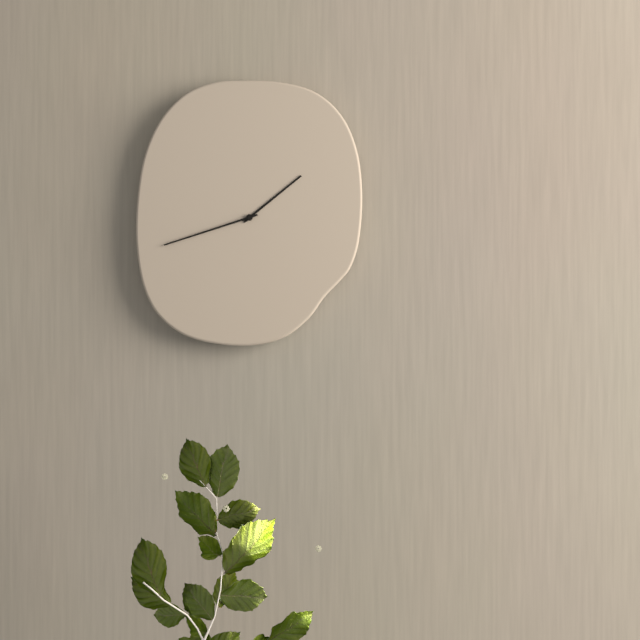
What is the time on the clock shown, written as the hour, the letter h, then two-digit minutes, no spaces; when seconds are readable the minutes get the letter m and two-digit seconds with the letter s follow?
1h42
